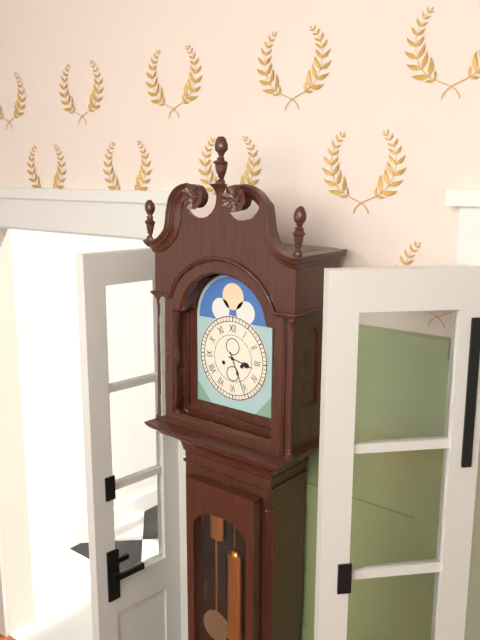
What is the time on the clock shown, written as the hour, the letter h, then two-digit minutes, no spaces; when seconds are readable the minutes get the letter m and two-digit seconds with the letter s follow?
3h26
